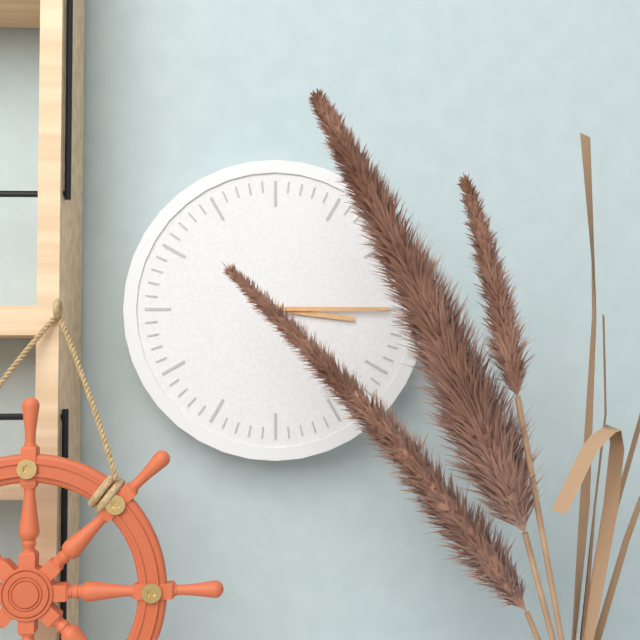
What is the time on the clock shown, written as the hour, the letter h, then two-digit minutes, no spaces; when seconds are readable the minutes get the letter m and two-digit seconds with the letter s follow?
3h15
